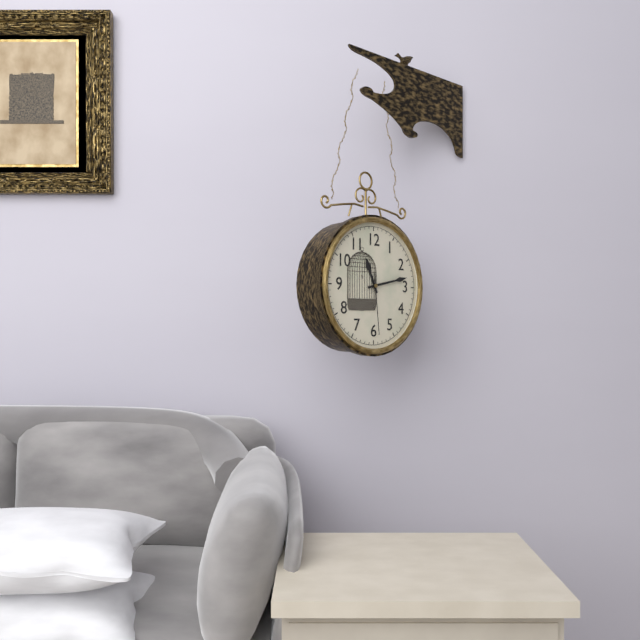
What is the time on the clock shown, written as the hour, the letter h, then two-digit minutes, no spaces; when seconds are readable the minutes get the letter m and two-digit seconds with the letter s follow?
11h13m29s
